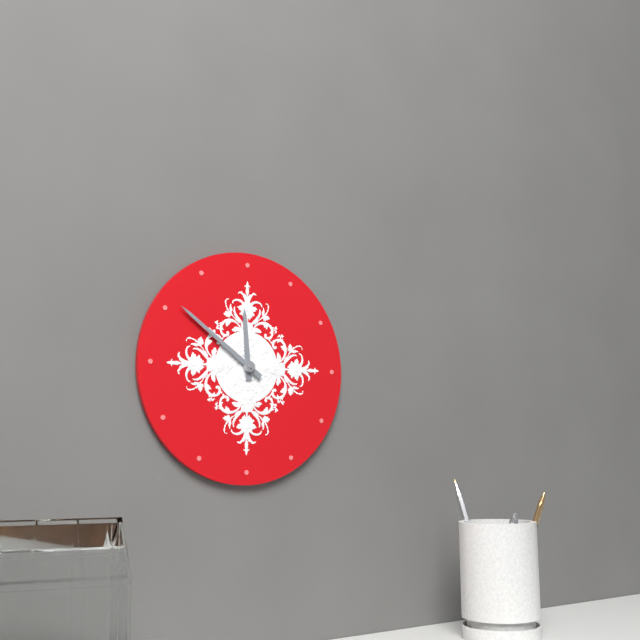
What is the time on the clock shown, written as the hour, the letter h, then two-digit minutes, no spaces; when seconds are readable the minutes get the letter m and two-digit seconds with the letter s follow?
11h51
